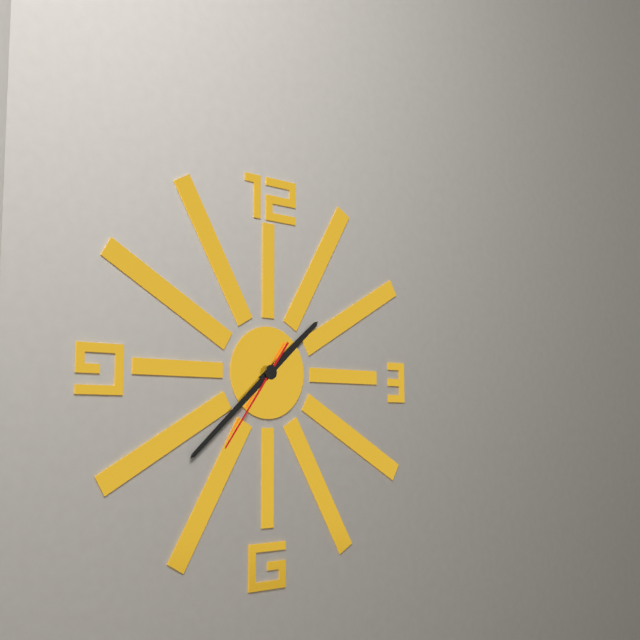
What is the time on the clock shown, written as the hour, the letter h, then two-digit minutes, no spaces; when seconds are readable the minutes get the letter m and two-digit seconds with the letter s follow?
1h38m36s
